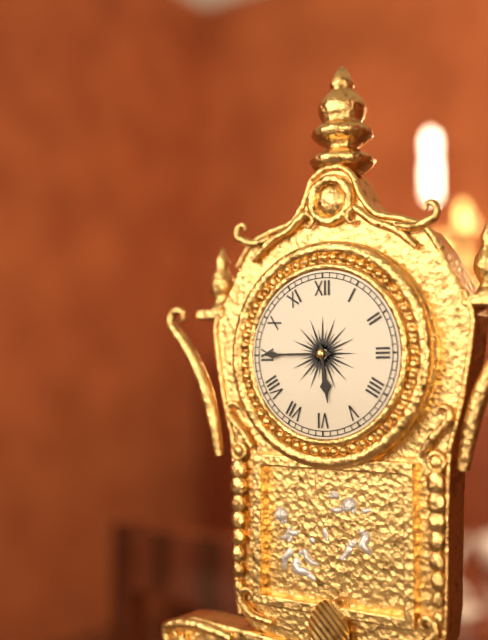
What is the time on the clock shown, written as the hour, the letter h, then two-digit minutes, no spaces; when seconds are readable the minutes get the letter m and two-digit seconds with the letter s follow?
5h45
